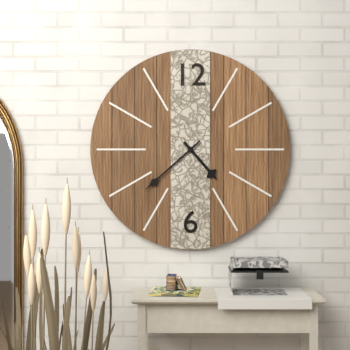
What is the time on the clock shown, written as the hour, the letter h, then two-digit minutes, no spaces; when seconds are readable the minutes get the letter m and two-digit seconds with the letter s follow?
4h38
